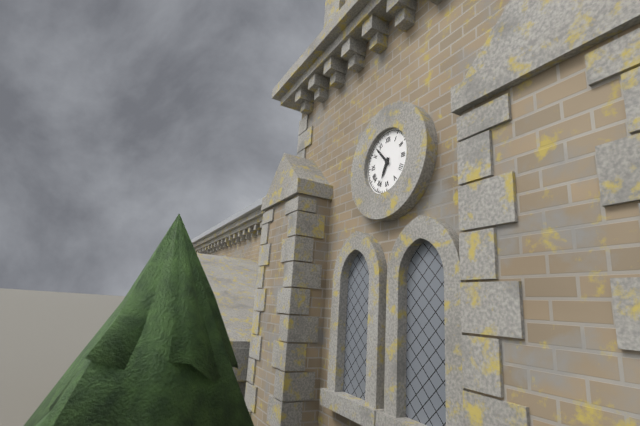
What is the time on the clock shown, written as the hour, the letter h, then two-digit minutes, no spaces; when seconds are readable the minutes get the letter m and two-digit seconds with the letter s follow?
6h53
